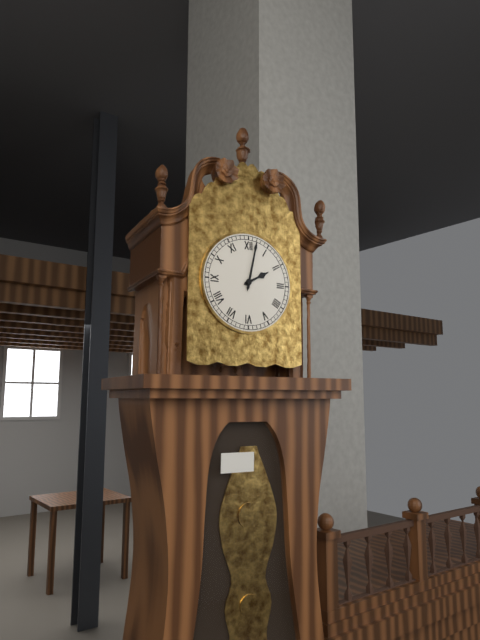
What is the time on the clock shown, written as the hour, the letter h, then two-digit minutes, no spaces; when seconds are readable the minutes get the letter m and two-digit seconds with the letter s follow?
2h02
